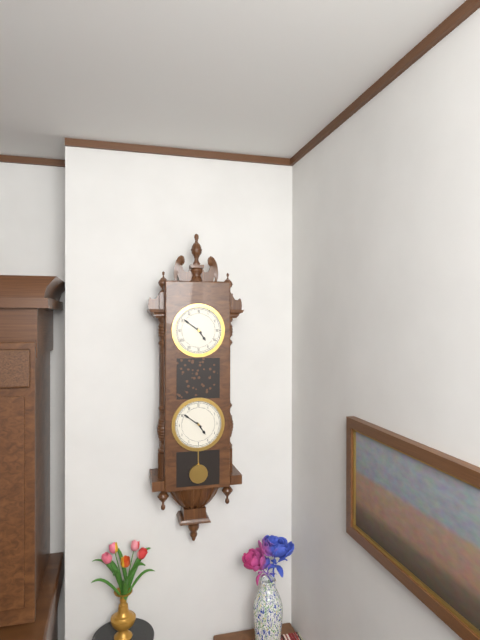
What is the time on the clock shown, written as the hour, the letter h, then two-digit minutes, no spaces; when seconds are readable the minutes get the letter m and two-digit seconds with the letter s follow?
4h51
